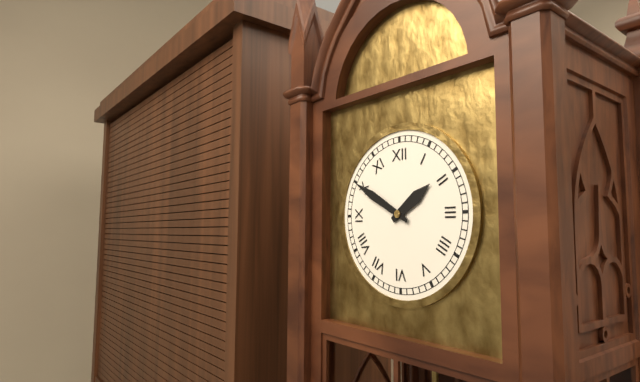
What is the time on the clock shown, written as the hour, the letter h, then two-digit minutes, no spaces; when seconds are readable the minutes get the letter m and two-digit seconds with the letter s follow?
1h50
